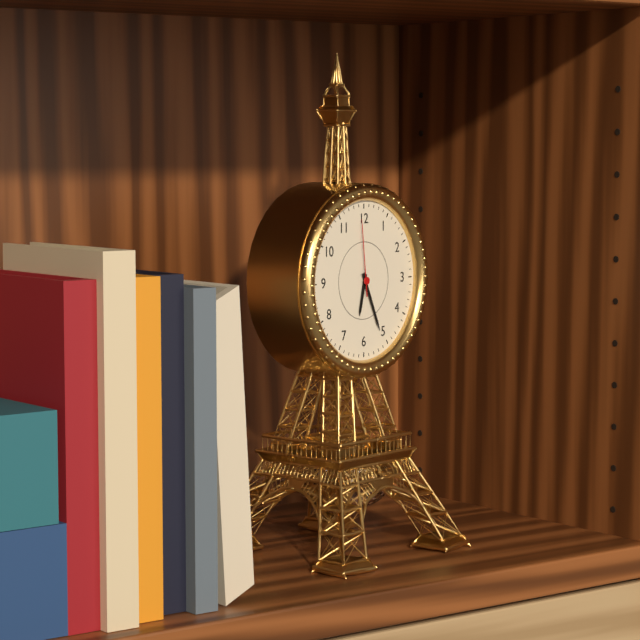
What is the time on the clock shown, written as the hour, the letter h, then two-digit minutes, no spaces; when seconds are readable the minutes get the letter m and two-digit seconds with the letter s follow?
6h26m59s
